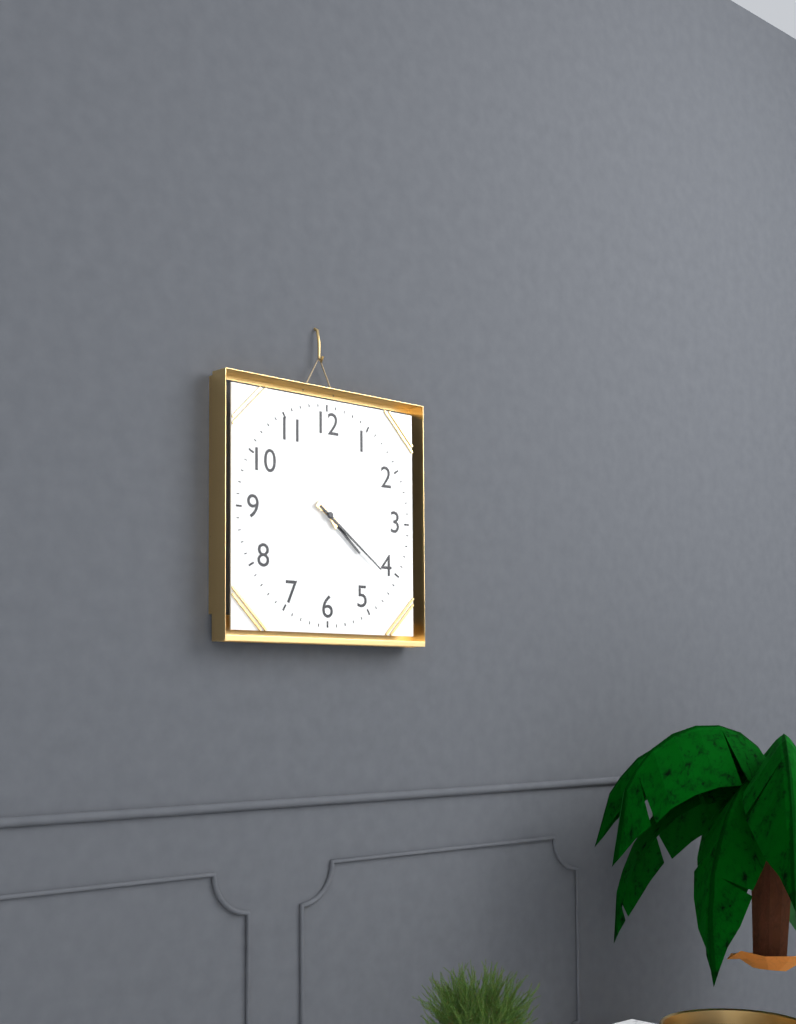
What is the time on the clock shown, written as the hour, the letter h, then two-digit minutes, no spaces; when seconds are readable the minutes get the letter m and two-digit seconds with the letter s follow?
4h21
